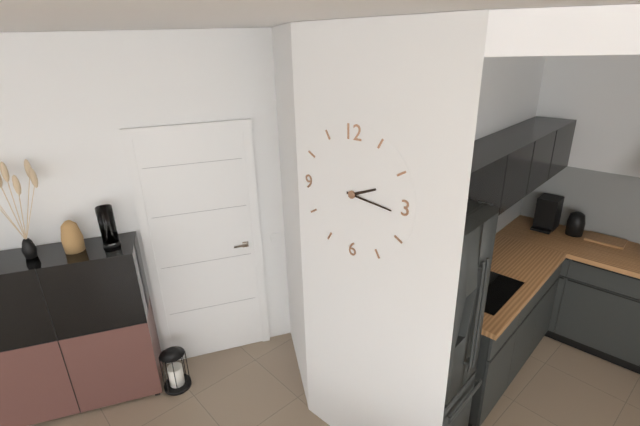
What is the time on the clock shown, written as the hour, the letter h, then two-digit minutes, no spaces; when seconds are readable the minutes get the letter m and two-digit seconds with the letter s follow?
2h16
